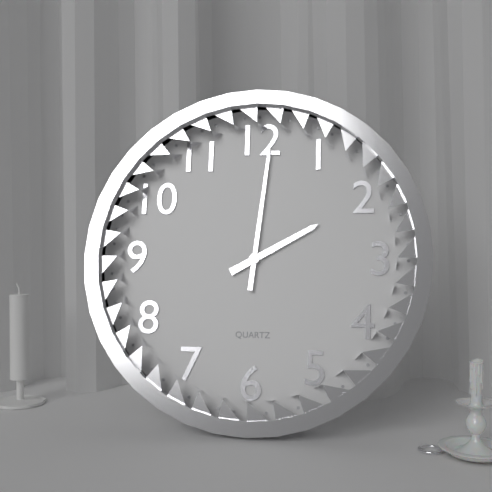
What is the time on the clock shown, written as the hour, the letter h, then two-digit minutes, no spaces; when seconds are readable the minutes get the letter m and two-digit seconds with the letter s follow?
2h01
